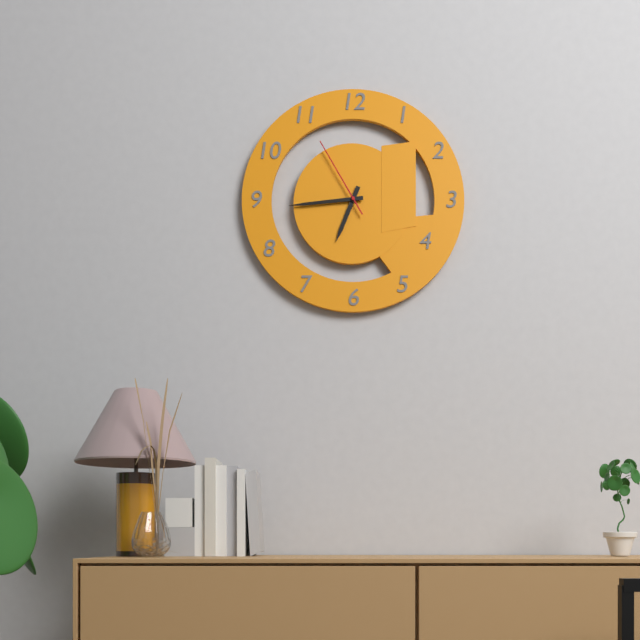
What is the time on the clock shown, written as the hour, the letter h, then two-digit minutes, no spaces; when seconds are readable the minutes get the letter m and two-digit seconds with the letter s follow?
6h44m55s
